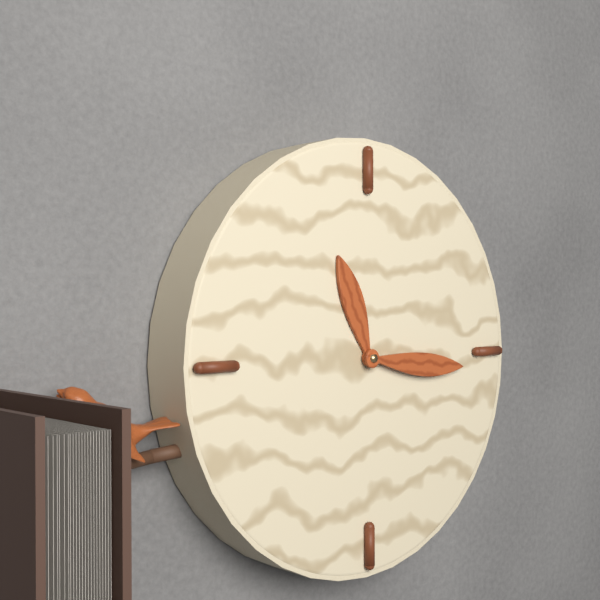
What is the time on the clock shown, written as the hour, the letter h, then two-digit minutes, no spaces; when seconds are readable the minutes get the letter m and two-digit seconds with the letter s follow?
11h16
